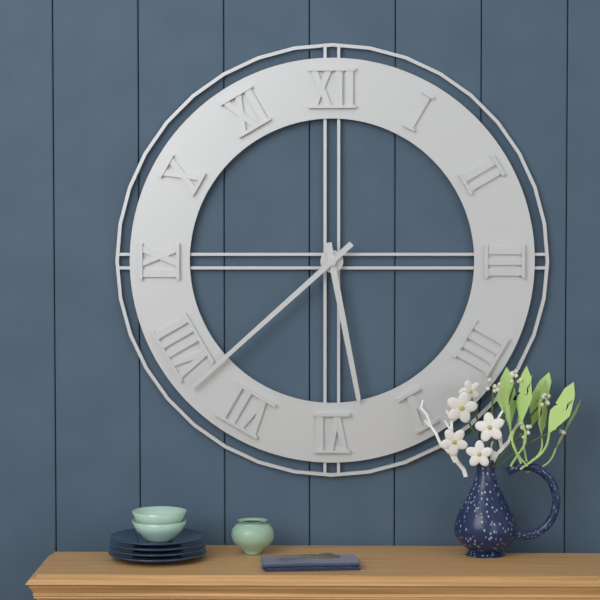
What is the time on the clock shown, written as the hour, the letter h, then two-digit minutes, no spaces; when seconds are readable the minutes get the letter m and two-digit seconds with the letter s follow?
5h38
